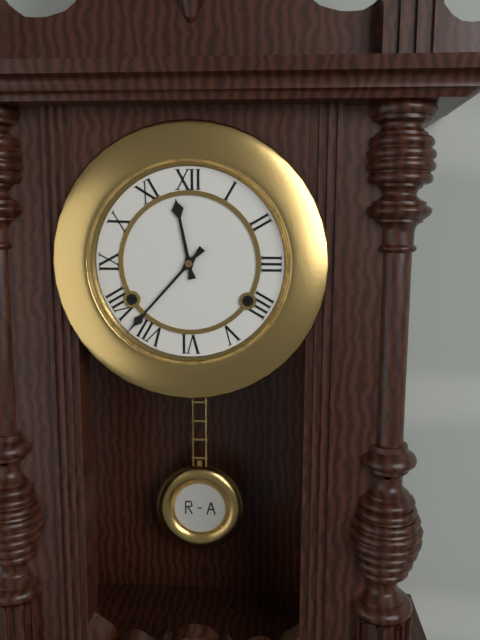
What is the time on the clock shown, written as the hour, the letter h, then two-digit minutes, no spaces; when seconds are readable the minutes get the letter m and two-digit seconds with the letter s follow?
11h37
